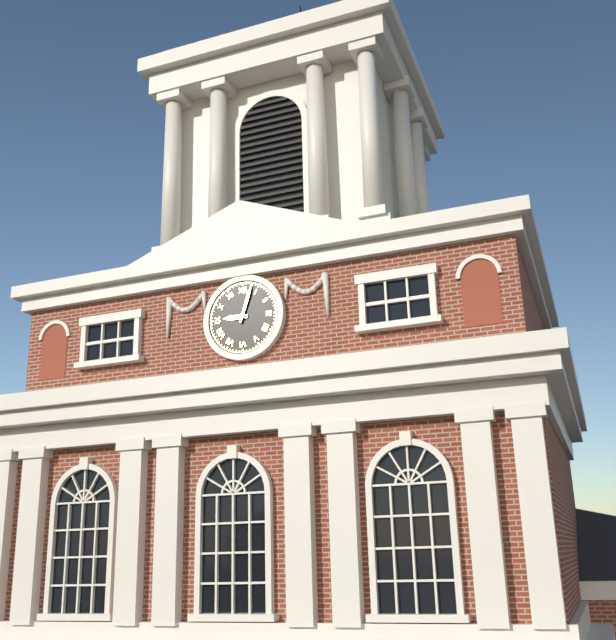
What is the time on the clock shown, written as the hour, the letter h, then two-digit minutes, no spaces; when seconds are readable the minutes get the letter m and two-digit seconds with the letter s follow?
9h03
